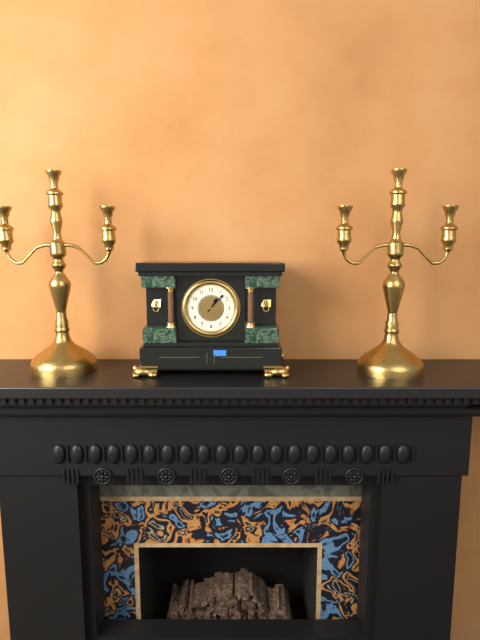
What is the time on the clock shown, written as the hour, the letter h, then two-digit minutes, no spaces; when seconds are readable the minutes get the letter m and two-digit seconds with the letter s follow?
1h07
